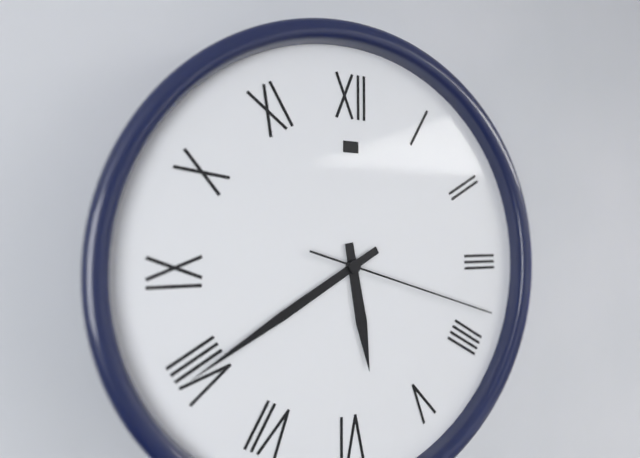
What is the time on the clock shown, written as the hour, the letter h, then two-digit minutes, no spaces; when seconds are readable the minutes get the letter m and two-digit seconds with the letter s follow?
5h40m18s
